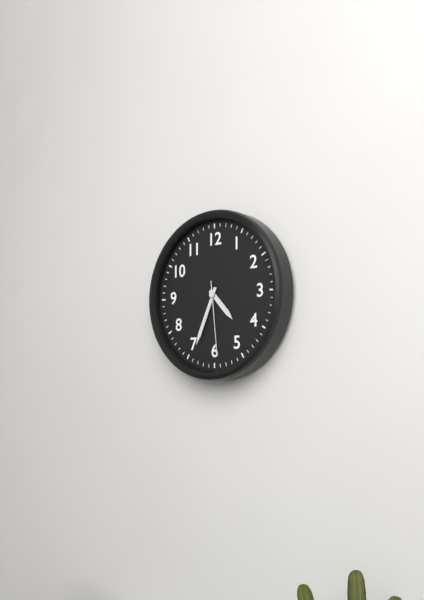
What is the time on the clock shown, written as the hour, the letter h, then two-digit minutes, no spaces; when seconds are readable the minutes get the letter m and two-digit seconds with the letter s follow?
4h34m29s
